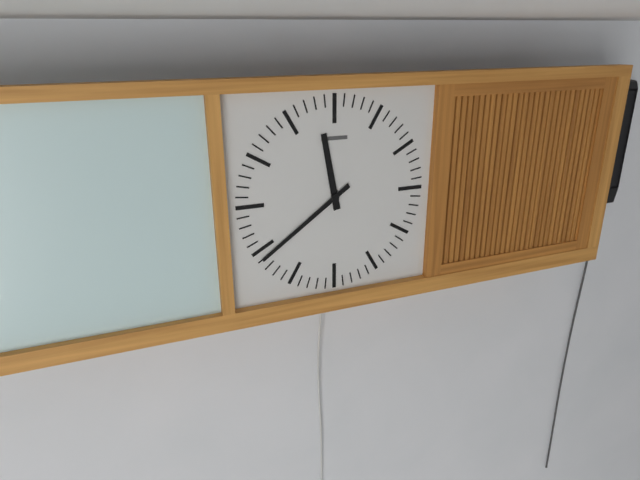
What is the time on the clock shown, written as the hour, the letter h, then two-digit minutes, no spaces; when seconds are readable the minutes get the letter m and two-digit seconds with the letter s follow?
11h39
